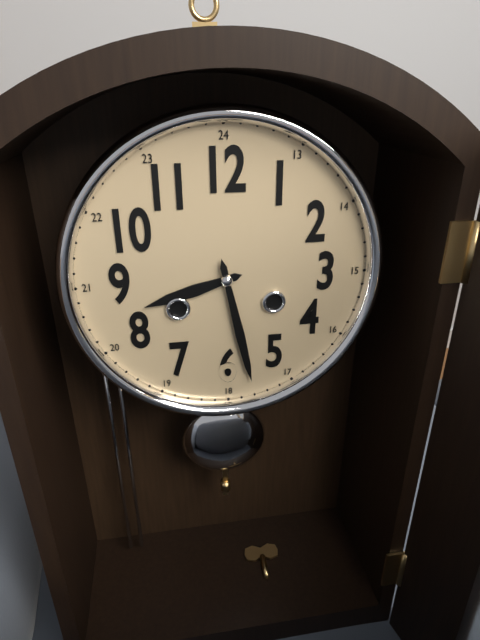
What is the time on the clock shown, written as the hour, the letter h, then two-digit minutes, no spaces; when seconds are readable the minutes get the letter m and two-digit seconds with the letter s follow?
8h28
